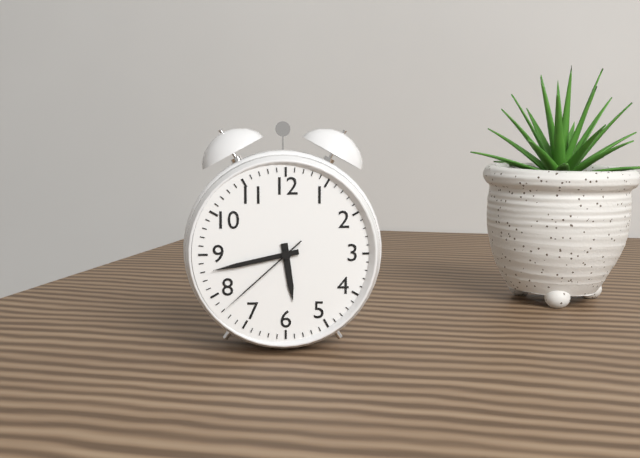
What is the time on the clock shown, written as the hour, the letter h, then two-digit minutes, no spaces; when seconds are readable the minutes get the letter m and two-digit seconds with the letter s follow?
5h43m38s
